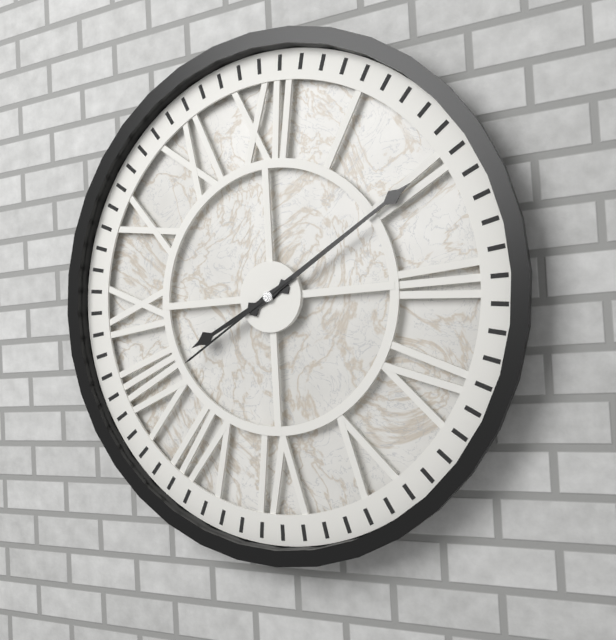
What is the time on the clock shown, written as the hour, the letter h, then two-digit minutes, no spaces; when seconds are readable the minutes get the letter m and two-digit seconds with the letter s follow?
8h10m40s
